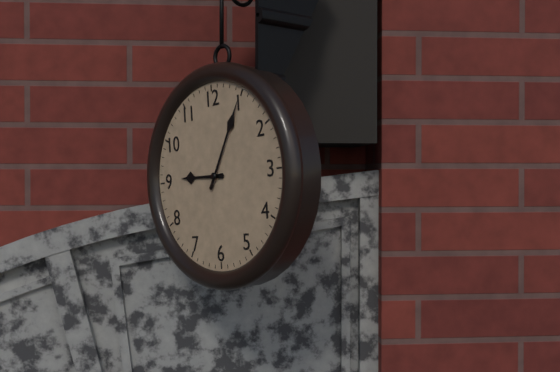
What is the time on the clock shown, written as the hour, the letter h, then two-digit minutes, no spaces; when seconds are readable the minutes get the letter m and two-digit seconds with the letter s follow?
9h05
